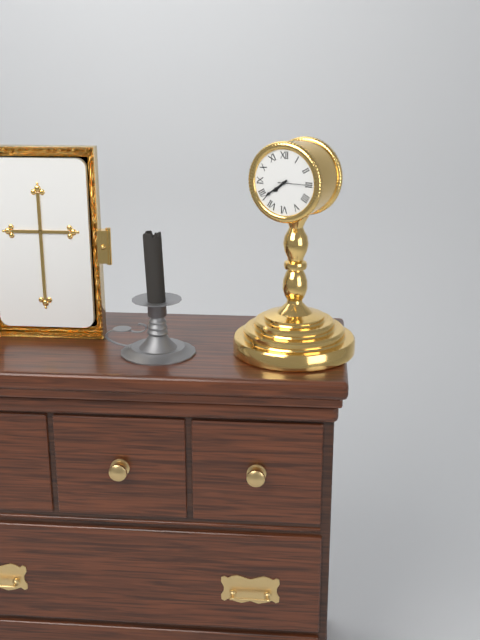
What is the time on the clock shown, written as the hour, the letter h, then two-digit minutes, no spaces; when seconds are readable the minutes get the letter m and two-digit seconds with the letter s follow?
7h39
